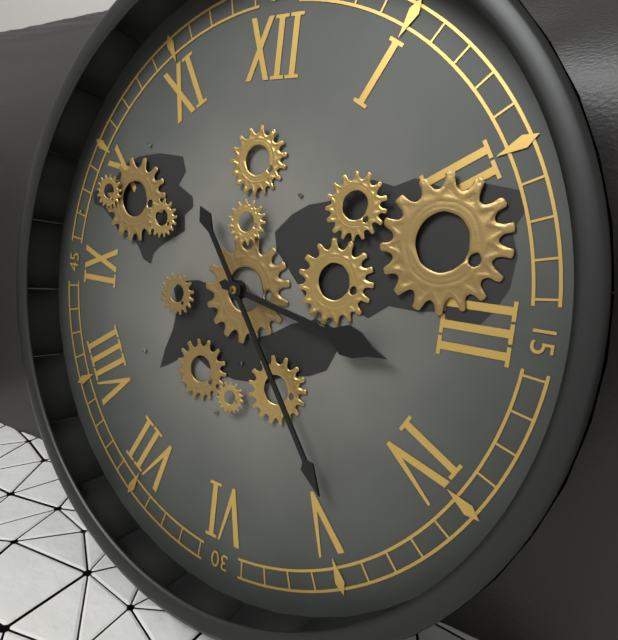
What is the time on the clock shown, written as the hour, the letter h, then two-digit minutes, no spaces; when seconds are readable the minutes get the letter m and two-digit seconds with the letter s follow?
3h24
